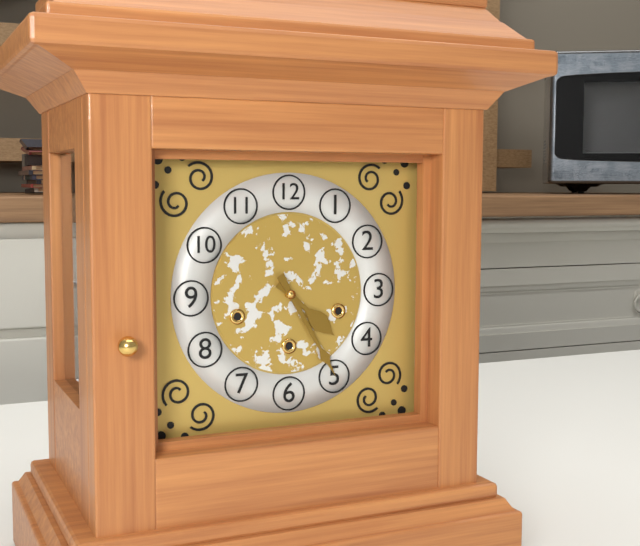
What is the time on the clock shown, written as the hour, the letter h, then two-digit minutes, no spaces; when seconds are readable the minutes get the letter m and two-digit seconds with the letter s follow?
4h25
